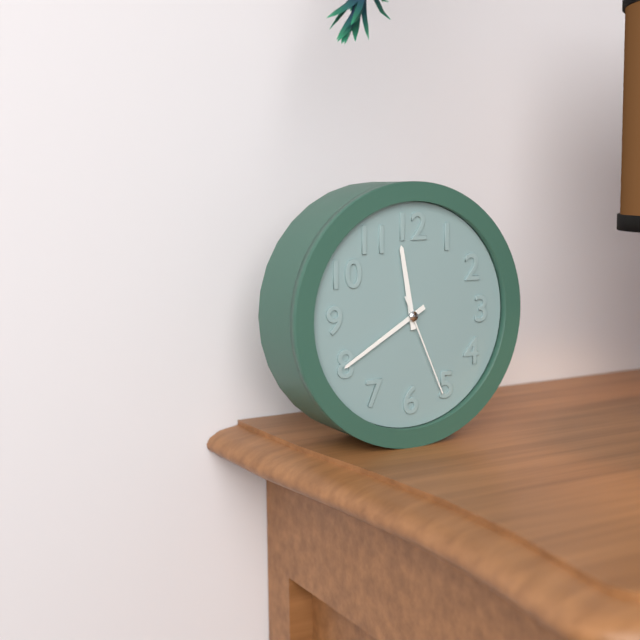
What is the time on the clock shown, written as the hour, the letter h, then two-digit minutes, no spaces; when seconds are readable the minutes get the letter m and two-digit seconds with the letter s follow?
11h40m26s
